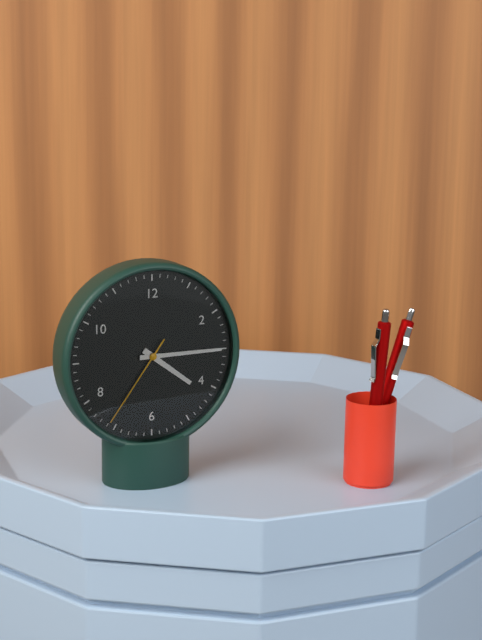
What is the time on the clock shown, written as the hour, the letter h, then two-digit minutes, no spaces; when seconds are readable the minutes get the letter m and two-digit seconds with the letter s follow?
4h15m36s
